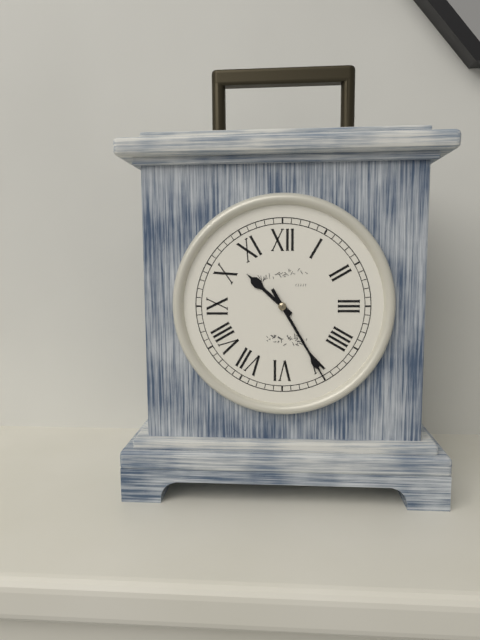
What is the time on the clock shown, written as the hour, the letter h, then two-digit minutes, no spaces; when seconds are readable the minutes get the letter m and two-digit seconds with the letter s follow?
10h25
